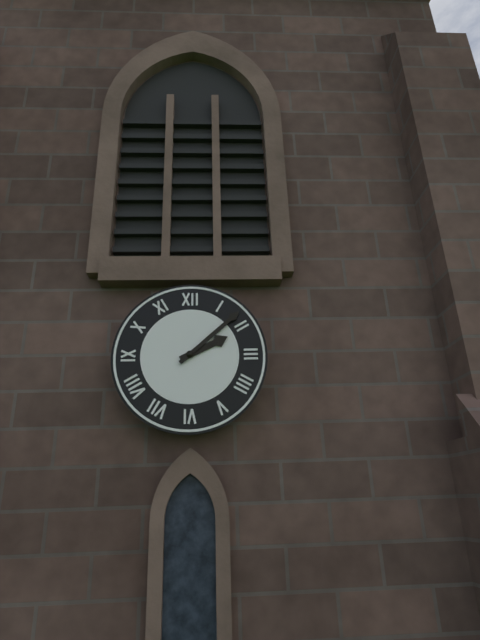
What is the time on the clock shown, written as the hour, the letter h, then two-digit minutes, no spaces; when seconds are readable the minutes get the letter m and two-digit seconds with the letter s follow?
2h08
